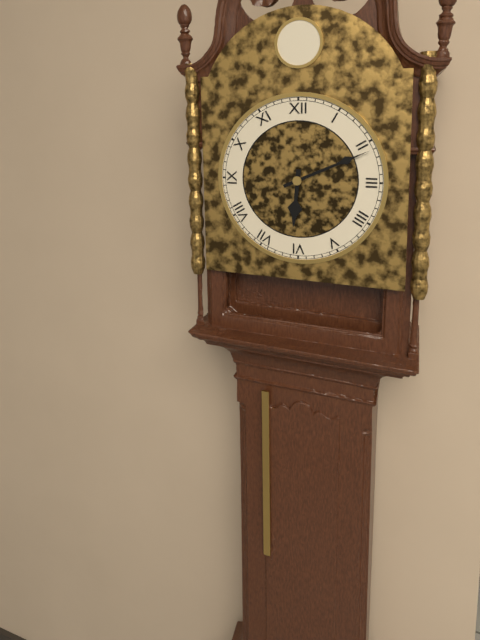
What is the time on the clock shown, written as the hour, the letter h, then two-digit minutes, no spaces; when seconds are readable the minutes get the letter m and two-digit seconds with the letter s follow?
6h11
